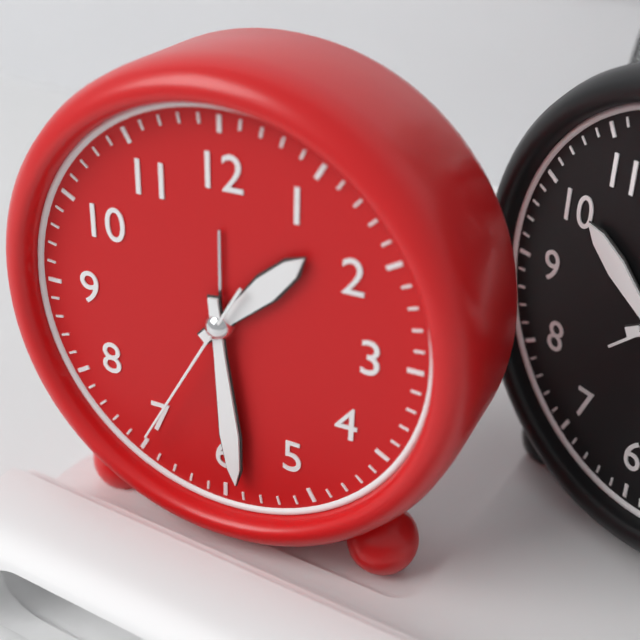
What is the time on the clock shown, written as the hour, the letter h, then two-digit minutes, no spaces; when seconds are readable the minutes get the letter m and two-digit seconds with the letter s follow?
1h29m35s
